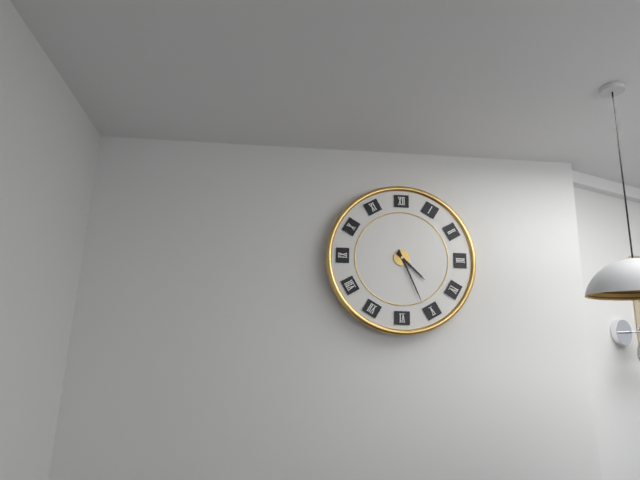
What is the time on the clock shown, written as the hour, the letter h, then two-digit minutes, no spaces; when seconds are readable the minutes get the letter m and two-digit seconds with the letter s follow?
4h26
